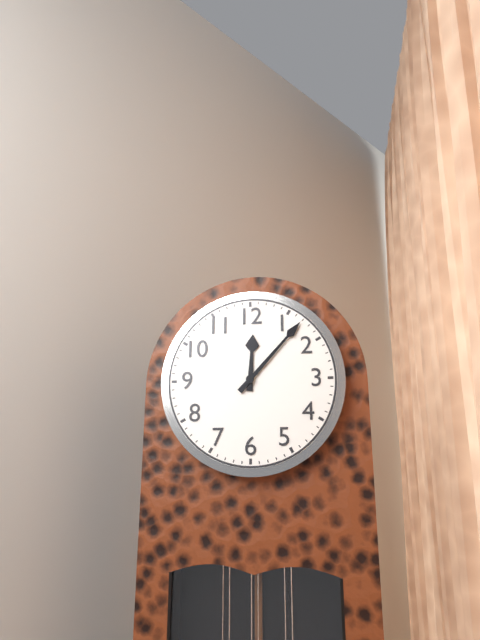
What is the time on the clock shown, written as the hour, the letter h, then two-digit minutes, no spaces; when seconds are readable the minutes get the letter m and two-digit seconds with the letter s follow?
12h07
